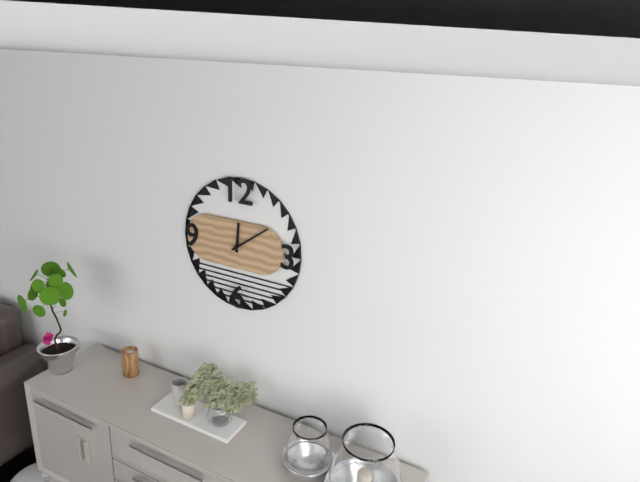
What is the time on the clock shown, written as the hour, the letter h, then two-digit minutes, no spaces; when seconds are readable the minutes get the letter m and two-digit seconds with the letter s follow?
12h09
